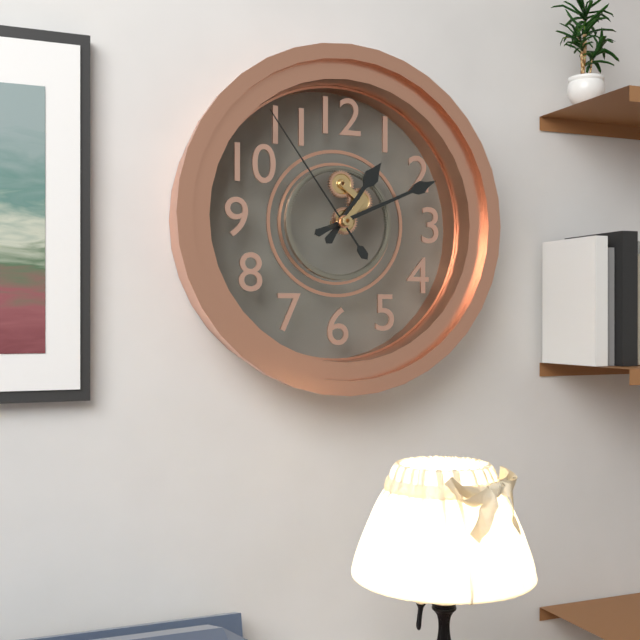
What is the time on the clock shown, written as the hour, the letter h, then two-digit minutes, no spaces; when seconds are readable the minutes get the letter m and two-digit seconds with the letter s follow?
1h11m54s
